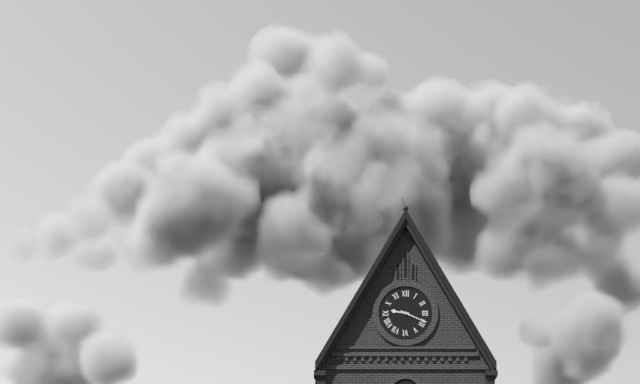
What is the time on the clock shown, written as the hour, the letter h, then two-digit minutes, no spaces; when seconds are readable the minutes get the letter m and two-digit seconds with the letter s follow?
9h19
